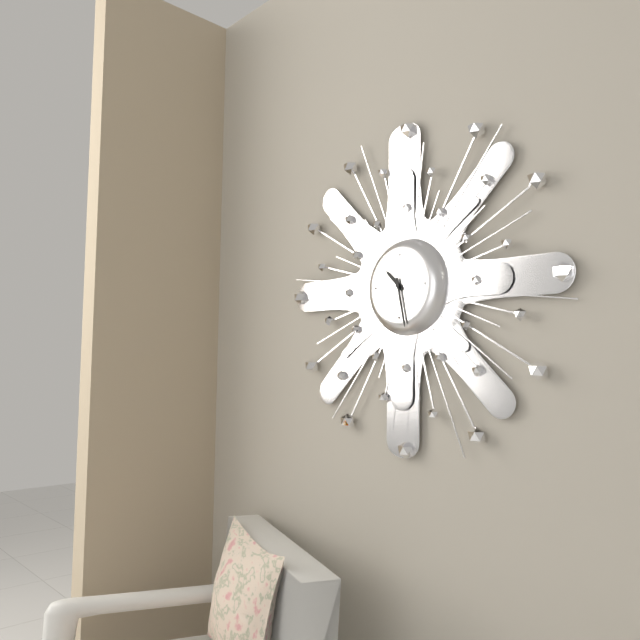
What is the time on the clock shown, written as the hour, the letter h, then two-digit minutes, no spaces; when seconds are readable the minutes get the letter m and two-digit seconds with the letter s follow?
10h28
